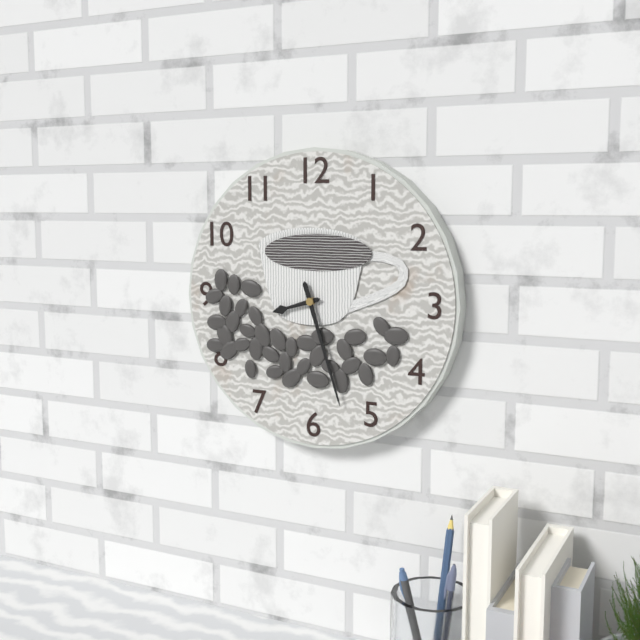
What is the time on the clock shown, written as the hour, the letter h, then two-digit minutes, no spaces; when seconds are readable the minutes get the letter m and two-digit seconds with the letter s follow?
8h27
